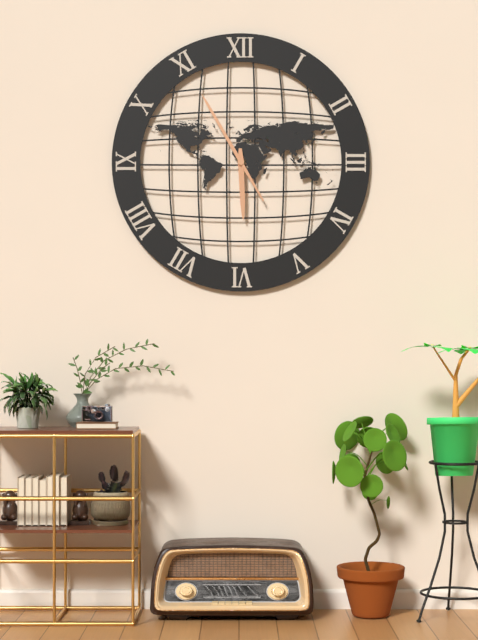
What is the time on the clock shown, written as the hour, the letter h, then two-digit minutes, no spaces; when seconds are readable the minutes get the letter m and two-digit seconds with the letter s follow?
5h55
